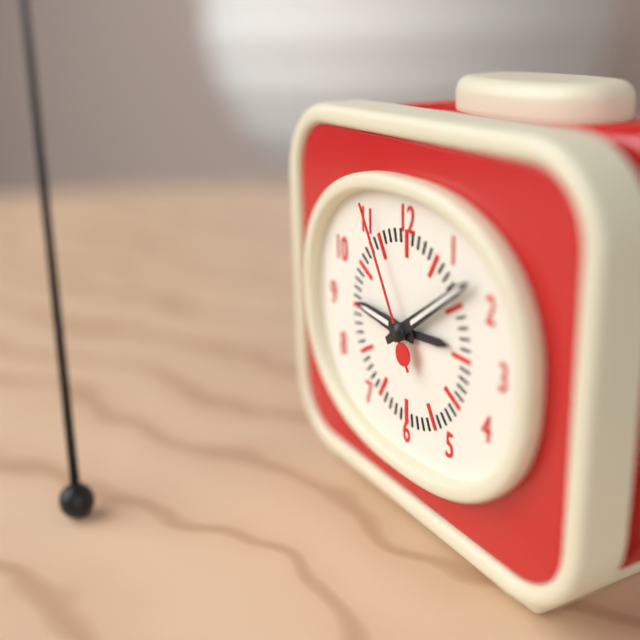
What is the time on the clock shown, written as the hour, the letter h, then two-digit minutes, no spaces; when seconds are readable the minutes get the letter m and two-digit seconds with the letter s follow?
9h09m55s
